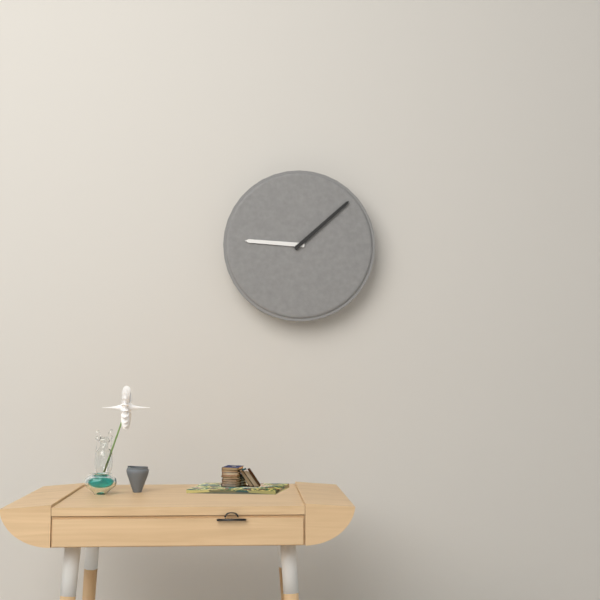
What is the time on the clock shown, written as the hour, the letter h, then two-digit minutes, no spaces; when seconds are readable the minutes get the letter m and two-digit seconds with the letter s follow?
9h08
